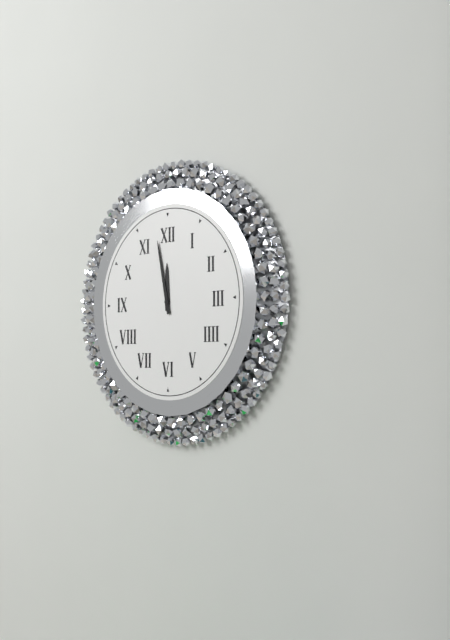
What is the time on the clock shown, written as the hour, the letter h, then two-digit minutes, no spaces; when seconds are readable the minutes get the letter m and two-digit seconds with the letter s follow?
11h58
